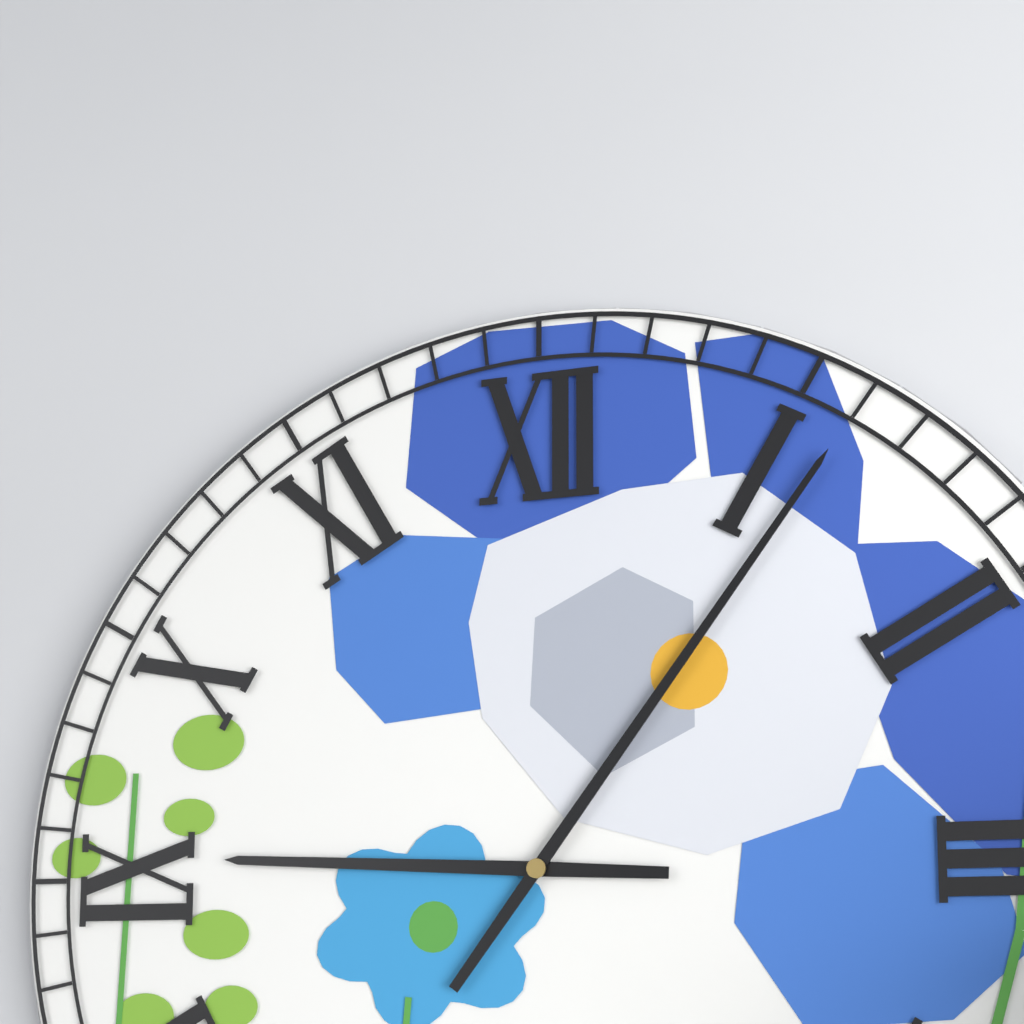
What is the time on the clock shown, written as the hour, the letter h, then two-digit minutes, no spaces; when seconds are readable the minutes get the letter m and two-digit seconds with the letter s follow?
9h06
